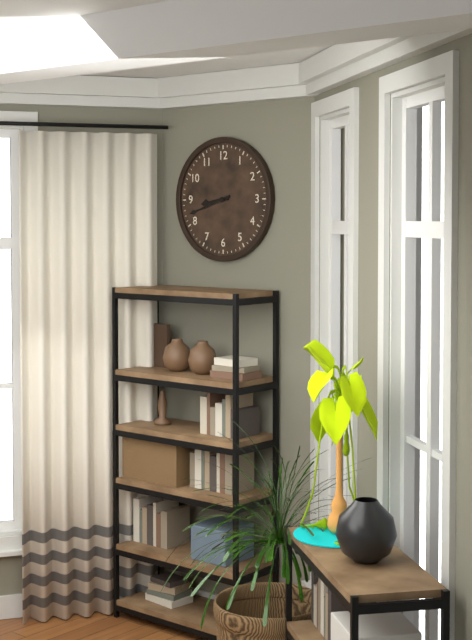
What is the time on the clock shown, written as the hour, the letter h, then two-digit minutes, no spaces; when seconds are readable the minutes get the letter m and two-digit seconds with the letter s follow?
8h42
